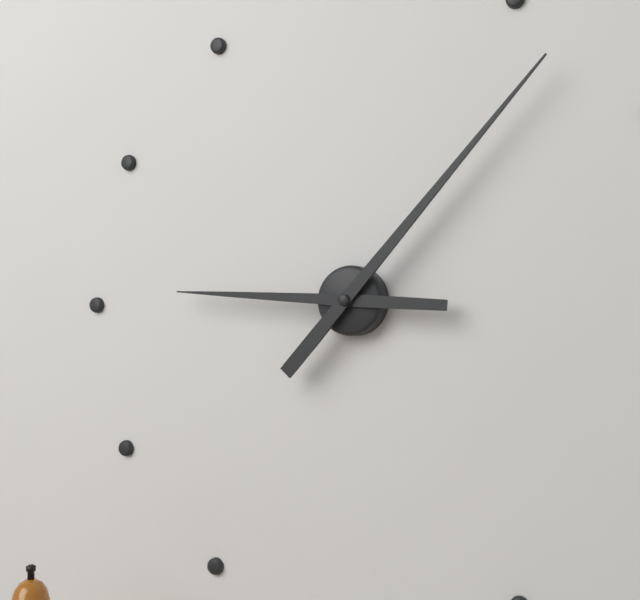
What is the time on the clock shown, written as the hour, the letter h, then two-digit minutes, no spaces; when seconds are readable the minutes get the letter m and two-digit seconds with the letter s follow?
9h07
